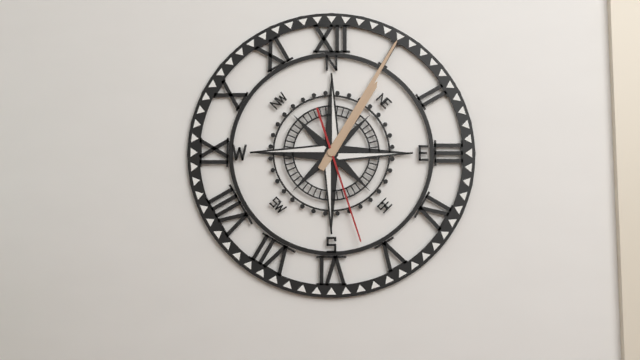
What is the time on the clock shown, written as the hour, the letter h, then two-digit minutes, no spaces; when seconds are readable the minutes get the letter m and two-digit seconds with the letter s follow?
1h05m27s
